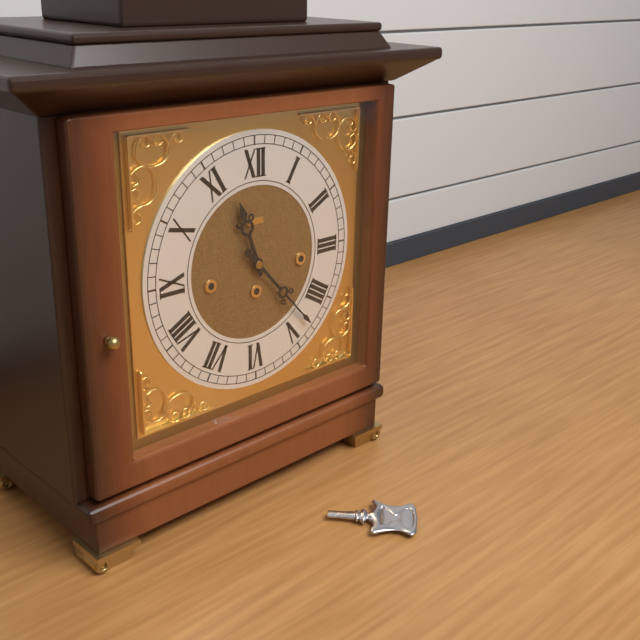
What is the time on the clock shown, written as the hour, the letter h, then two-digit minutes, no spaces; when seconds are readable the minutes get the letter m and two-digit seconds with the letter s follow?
11h23
